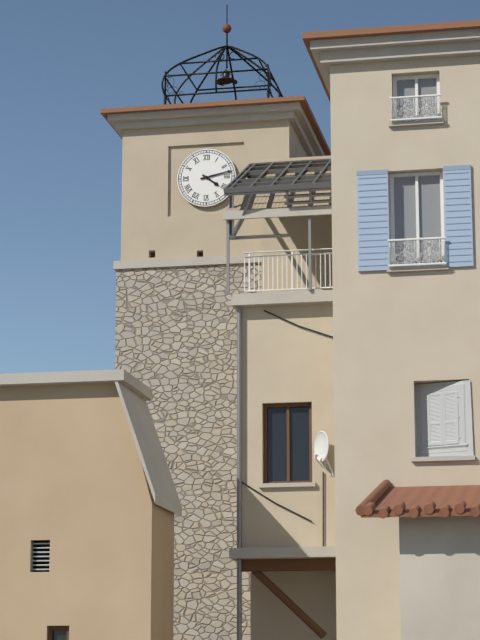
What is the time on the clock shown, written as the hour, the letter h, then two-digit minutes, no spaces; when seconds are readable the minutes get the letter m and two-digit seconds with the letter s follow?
4h13
